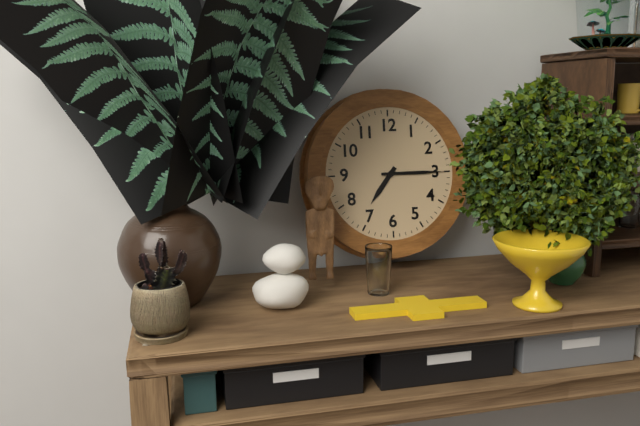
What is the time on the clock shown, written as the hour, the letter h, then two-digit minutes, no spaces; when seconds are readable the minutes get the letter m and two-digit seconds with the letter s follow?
7h15
